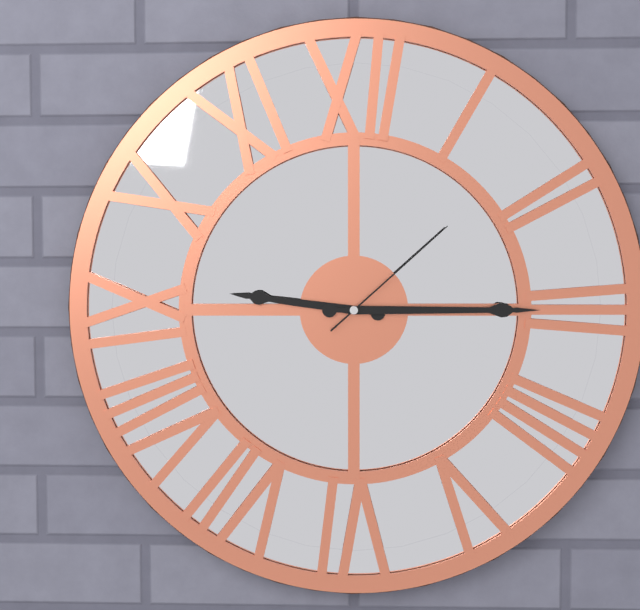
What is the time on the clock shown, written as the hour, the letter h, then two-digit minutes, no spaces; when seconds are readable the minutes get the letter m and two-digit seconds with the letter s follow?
9h15m08s
